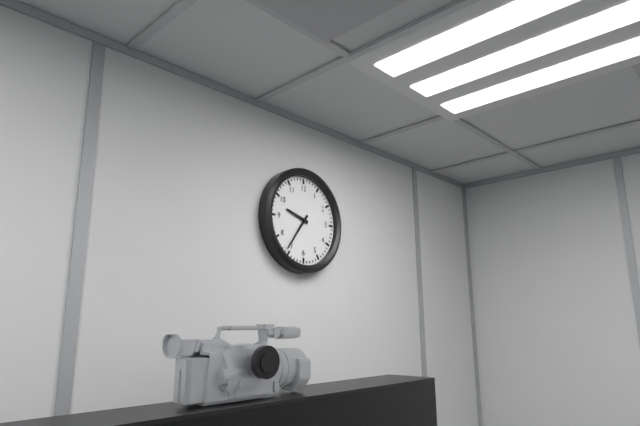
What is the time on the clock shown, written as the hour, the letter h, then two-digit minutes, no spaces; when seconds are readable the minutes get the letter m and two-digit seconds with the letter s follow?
9h36
